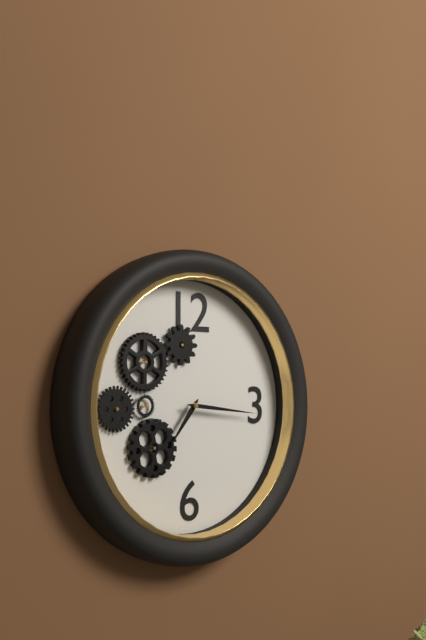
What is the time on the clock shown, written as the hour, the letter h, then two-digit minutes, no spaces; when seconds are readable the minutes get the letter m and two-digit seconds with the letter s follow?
7h16
